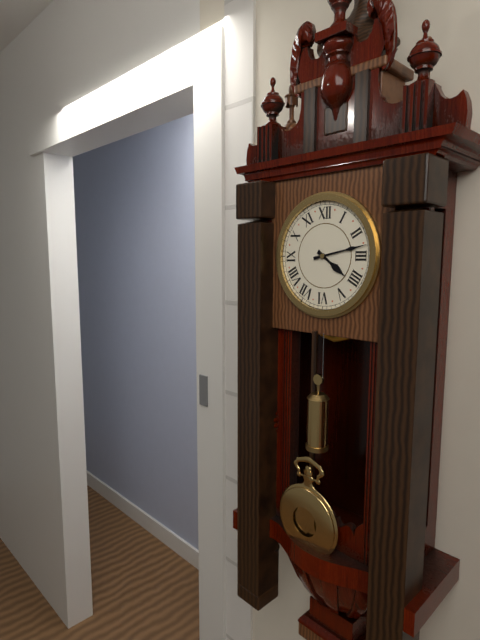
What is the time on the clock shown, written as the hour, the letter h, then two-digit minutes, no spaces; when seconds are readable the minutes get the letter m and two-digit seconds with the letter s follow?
4h13
